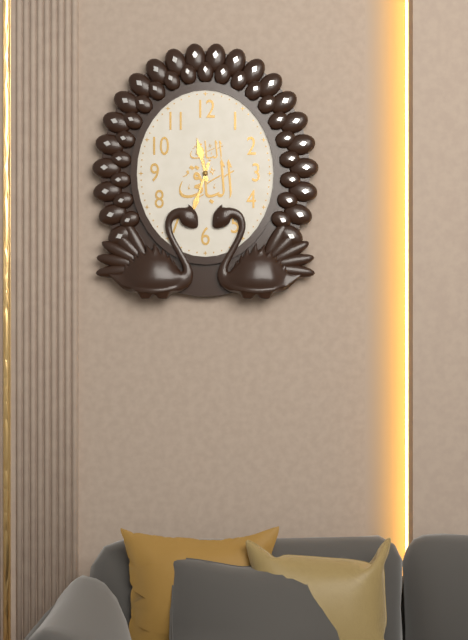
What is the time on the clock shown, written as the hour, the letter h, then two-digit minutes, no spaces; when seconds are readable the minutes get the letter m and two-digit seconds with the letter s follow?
11h33
